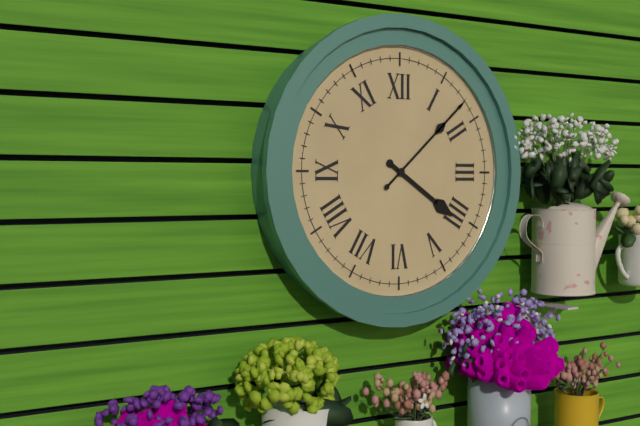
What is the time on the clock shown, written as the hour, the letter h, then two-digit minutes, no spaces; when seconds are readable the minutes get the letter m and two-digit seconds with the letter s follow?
4h08
